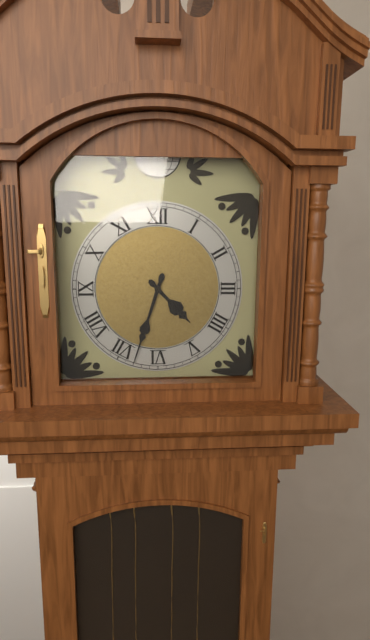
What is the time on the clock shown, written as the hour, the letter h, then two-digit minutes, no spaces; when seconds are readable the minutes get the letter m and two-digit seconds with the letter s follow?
4h33
